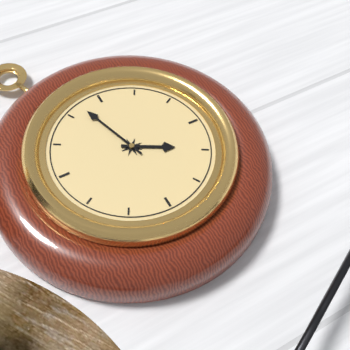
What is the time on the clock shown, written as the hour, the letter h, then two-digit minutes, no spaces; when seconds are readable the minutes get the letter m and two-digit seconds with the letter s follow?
3h57
